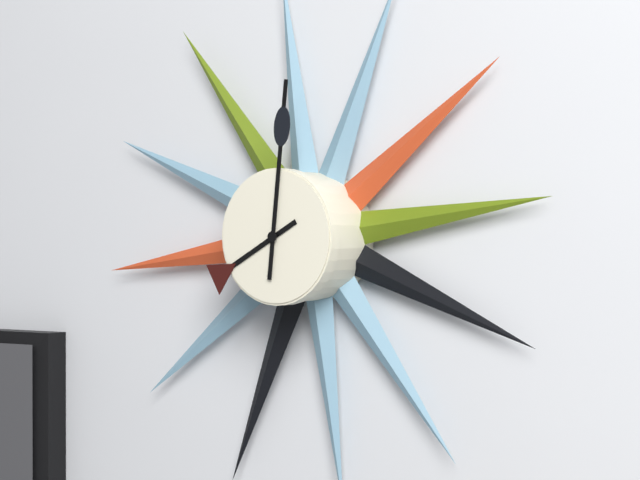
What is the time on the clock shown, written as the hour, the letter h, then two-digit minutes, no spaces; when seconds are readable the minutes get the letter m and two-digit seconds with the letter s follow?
8h01
